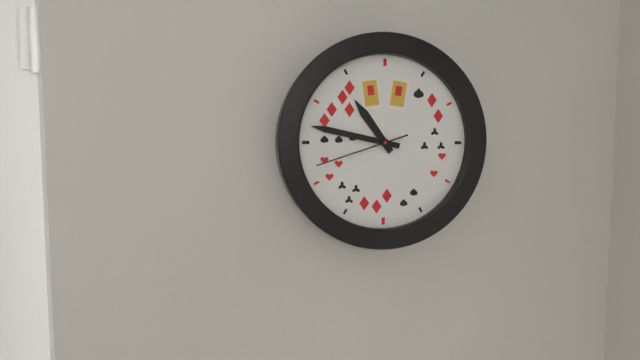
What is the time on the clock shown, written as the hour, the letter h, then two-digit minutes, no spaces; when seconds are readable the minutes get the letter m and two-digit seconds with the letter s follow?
10h47m42s
